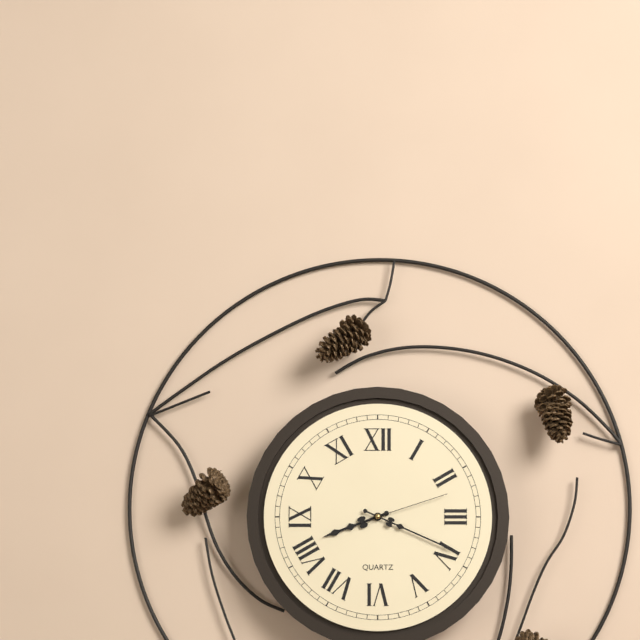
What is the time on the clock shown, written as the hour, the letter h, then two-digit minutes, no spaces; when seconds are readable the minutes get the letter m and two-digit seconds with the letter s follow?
8h19m12s
